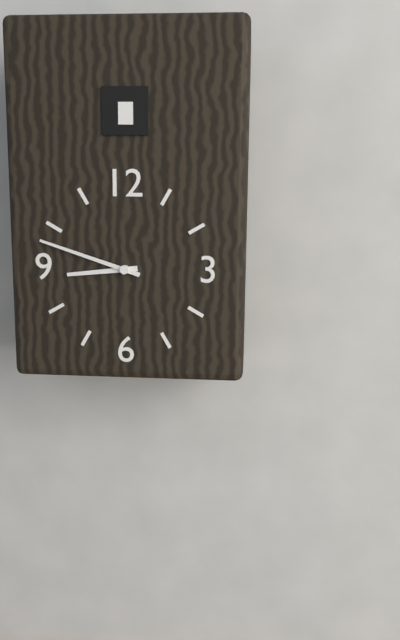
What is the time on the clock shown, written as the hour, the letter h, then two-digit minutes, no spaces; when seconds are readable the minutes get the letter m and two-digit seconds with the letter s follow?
8h48
